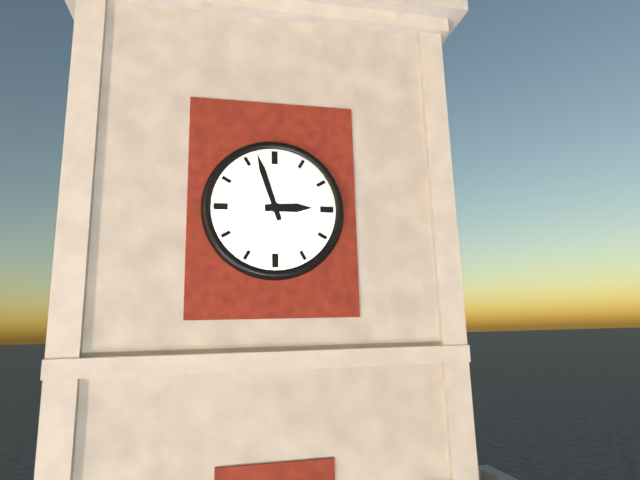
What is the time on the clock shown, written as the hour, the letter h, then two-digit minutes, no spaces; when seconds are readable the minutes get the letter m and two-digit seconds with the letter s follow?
2h57
